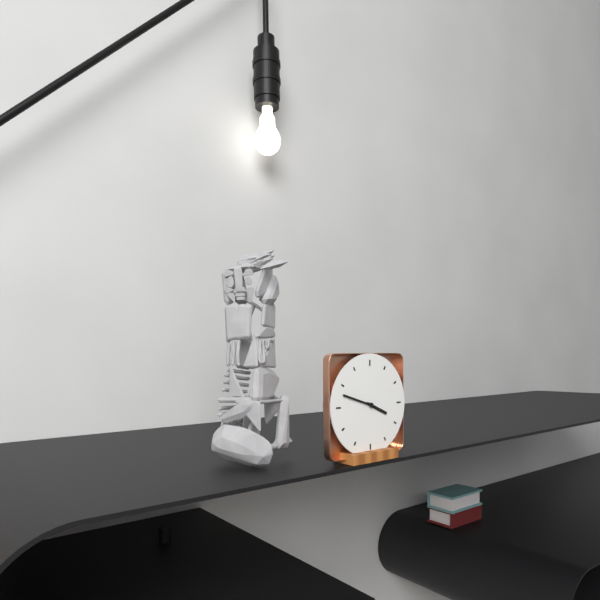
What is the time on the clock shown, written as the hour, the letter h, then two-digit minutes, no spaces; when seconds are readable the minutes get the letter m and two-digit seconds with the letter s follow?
3h48
